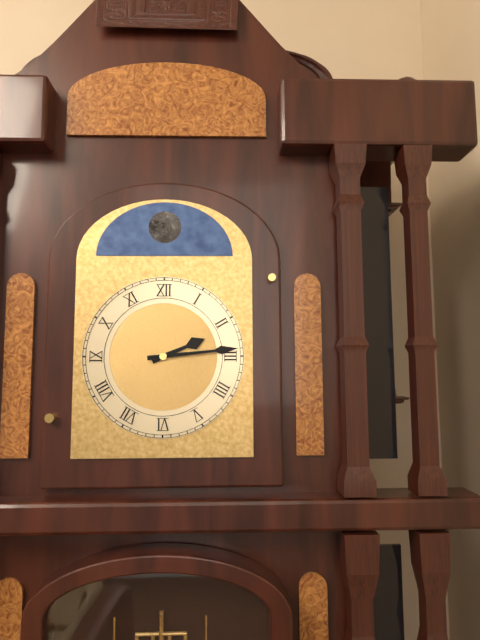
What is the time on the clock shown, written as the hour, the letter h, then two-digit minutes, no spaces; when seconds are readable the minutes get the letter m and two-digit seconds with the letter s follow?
2h14
